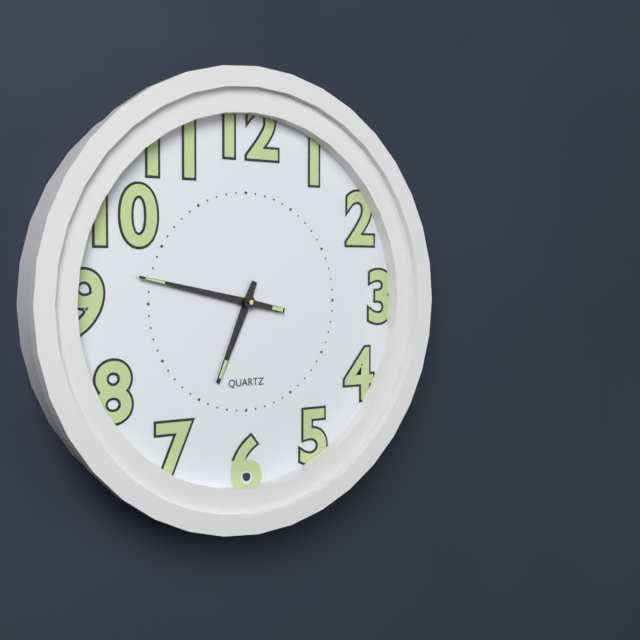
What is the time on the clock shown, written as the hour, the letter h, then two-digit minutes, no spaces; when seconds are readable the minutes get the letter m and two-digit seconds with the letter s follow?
6h47
